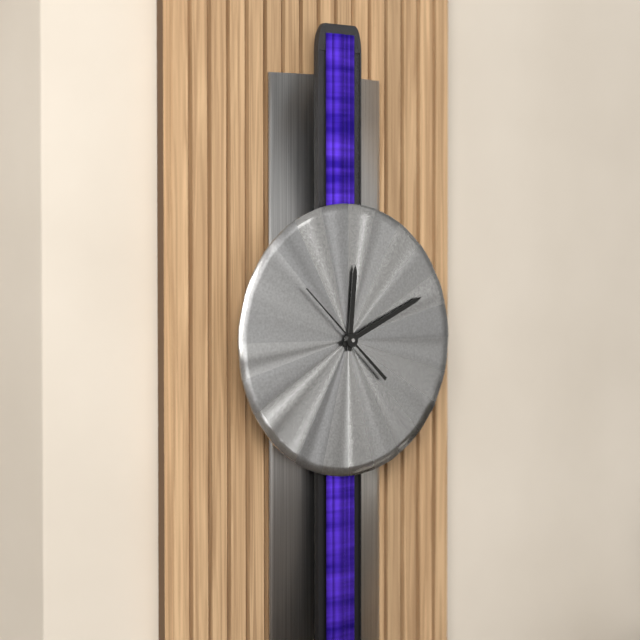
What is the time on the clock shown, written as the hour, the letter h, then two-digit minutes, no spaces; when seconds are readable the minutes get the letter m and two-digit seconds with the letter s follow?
12h11m52s
